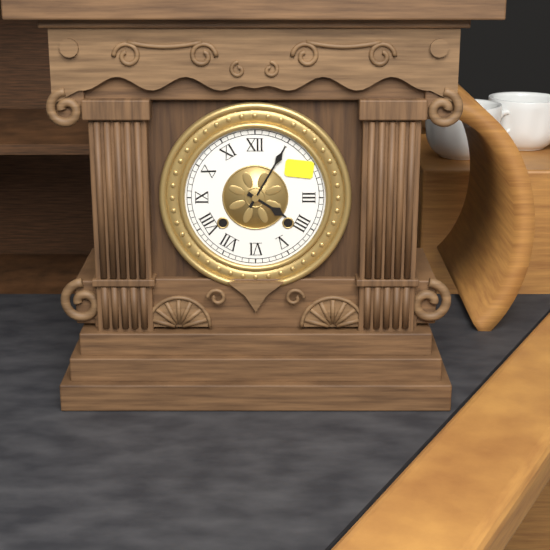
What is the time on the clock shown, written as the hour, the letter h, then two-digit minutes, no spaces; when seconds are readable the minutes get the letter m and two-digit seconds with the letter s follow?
4h05
